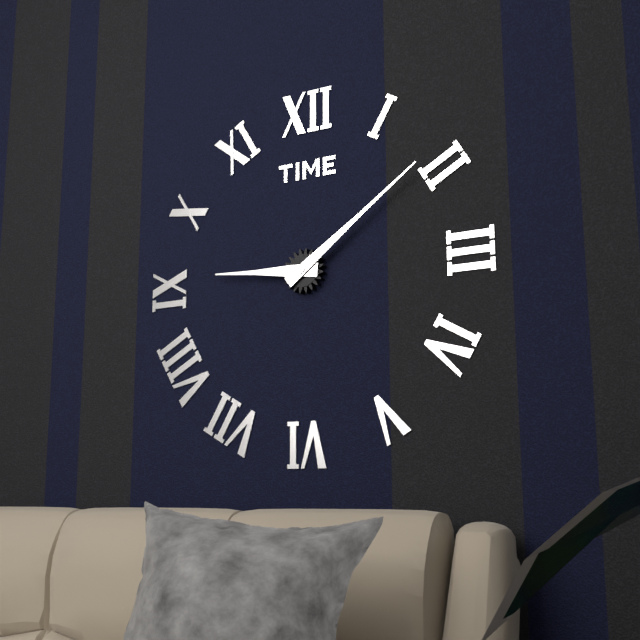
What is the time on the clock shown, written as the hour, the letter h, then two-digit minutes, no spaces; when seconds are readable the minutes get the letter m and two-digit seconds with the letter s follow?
9h09
